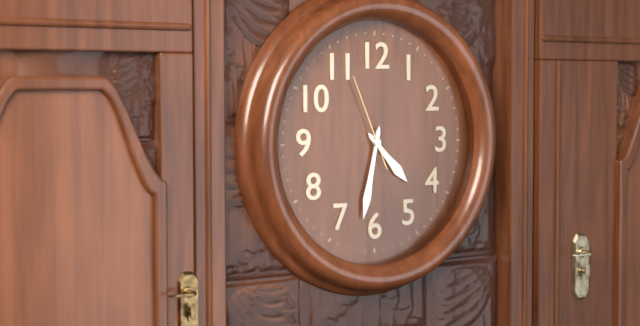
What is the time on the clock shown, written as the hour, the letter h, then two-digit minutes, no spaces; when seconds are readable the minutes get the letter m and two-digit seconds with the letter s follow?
4h32m56s
